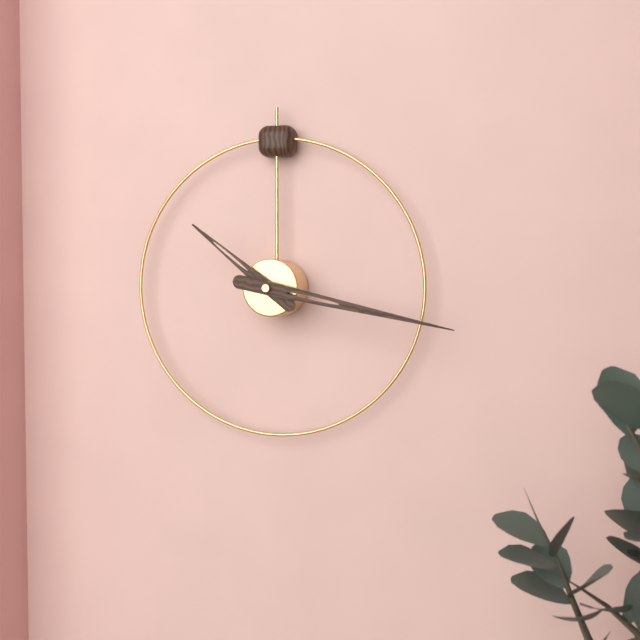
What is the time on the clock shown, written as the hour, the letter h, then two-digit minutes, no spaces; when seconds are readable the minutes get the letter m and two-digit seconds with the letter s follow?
10h17
